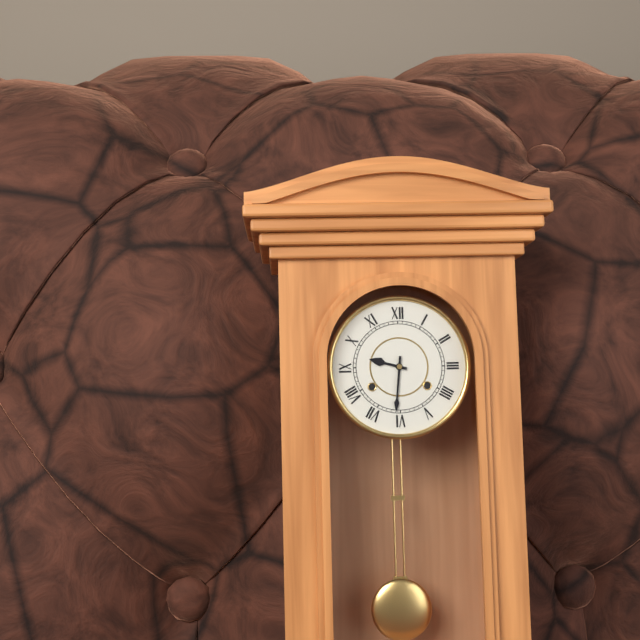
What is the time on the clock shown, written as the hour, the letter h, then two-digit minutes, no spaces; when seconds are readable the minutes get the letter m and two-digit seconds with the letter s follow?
9h31
